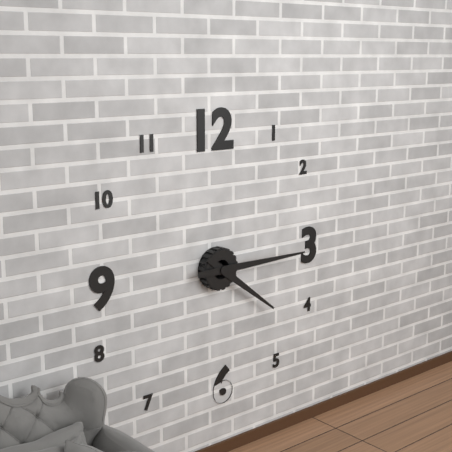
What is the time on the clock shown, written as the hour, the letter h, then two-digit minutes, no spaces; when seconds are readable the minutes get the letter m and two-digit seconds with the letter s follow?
4h15
